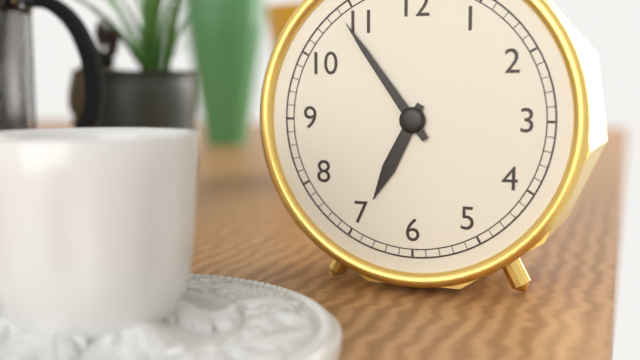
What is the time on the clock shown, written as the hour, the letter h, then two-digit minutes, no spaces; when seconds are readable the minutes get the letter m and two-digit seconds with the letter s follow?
6h54
